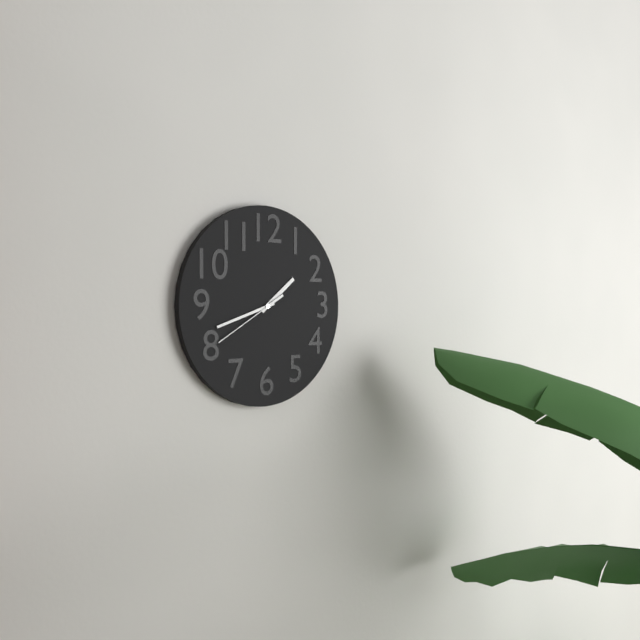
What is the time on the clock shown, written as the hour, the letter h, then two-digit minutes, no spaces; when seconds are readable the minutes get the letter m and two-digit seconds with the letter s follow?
1h42m40s
